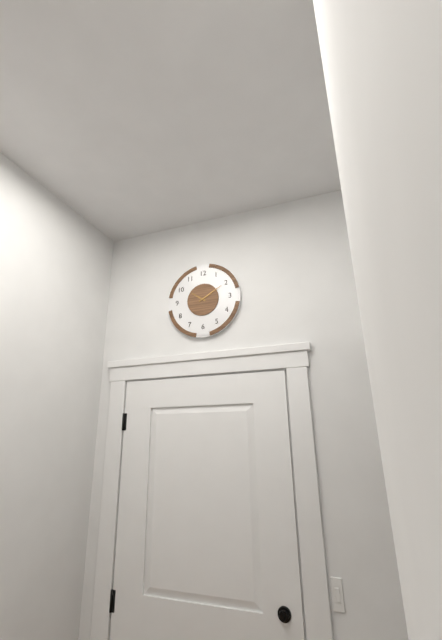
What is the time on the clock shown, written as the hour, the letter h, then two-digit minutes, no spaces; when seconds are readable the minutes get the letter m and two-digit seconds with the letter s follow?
10h10
